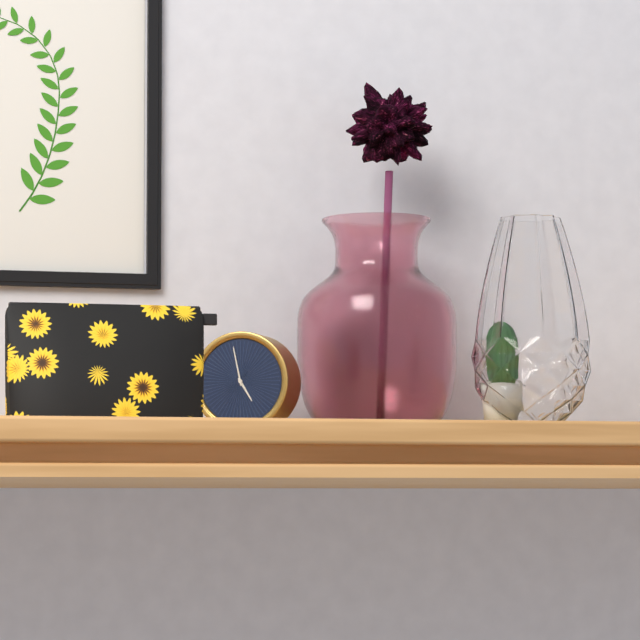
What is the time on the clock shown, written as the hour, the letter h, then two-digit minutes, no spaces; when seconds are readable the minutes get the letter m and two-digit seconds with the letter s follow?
4h58
